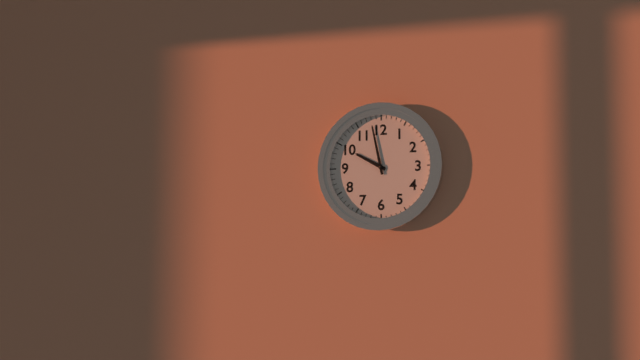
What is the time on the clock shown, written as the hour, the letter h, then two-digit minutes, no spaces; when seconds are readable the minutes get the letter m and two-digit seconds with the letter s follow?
9h58
